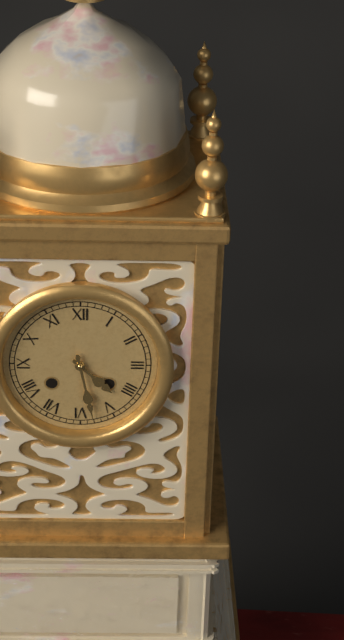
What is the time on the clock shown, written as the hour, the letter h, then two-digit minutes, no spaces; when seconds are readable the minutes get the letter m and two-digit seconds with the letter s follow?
4h28
